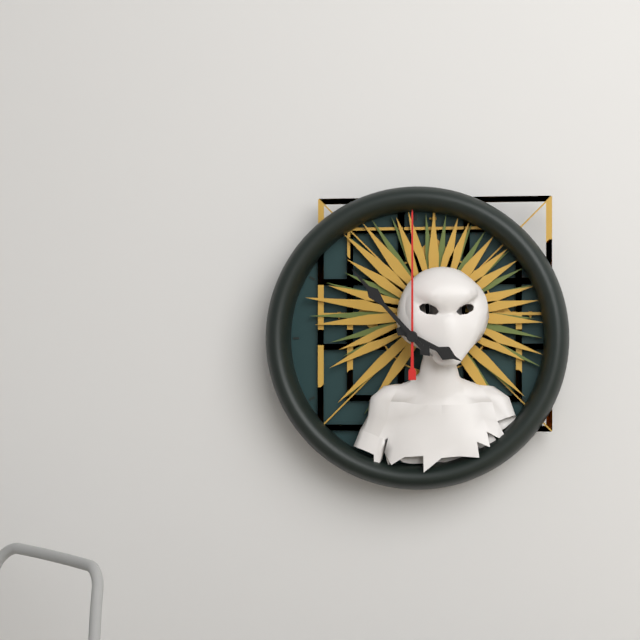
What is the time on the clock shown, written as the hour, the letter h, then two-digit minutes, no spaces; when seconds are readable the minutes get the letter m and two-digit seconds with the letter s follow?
3h53m00s
